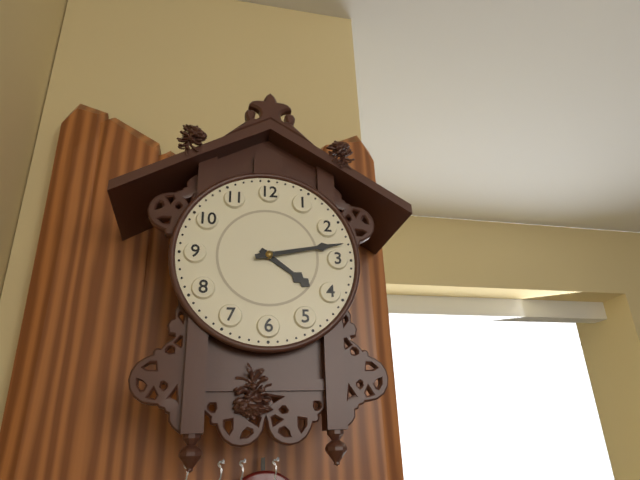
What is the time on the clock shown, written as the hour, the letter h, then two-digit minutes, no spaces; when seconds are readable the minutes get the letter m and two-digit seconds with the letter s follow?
4h13
